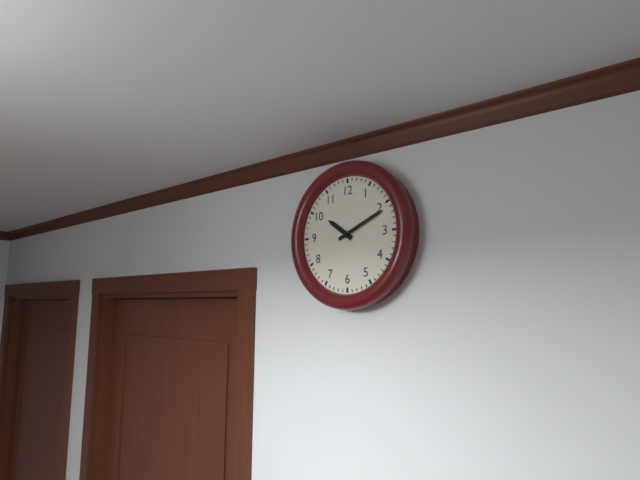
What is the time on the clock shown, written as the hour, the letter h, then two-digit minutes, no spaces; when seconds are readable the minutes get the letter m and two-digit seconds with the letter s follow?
10h11
